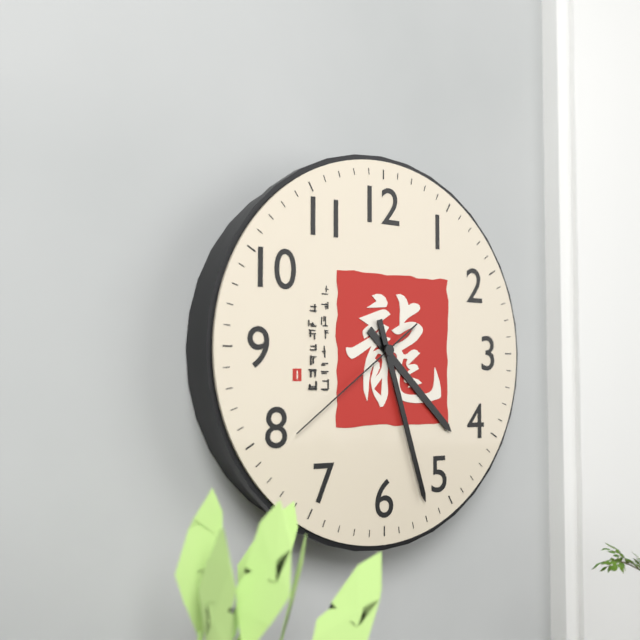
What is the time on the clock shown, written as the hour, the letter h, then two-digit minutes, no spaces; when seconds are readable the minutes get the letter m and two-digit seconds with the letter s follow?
4h27m39s
